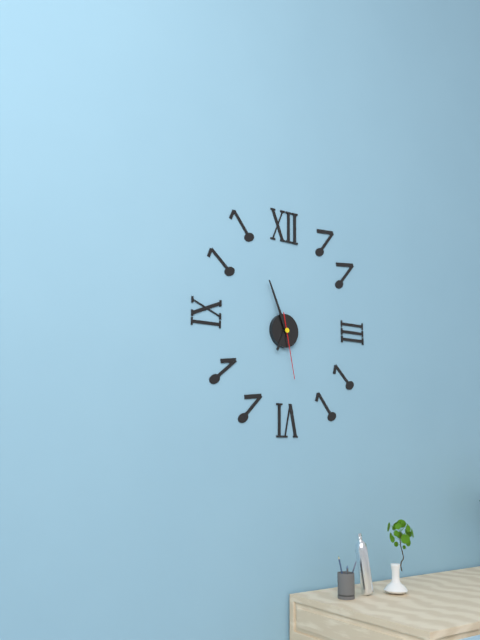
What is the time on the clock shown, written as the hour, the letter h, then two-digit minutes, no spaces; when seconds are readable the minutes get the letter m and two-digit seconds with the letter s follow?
6h56m28s
